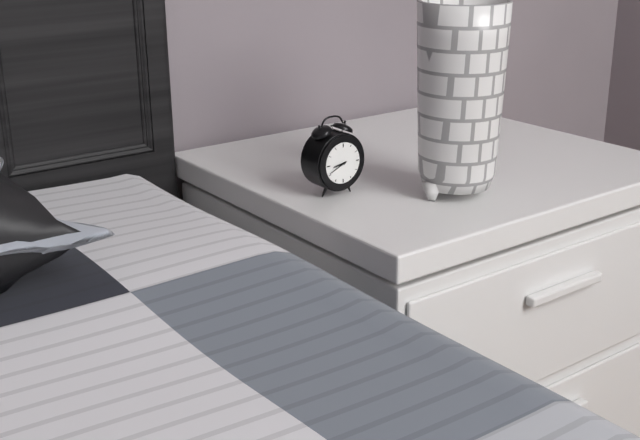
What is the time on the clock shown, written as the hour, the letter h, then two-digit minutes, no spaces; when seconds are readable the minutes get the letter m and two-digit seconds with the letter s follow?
8h41
